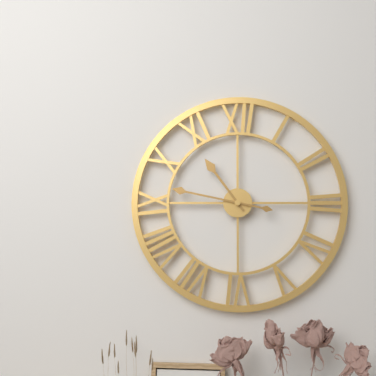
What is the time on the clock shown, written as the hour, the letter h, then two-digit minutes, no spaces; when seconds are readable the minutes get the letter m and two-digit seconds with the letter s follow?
10h47
